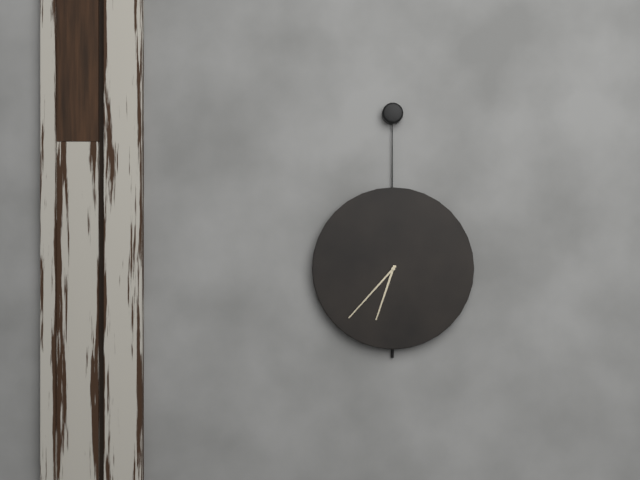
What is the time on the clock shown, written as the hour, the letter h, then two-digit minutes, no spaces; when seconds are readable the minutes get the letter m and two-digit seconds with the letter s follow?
6h37
